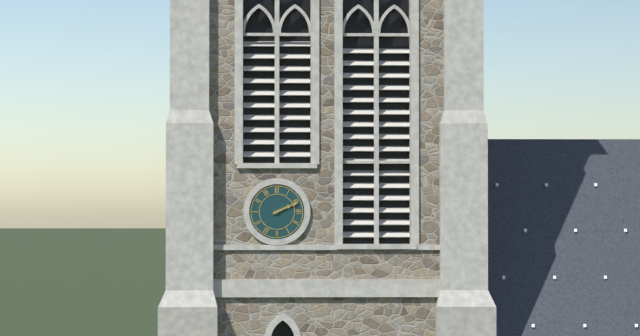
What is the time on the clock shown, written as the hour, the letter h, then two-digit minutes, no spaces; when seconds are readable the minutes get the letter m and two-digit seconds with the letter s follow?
2h11
